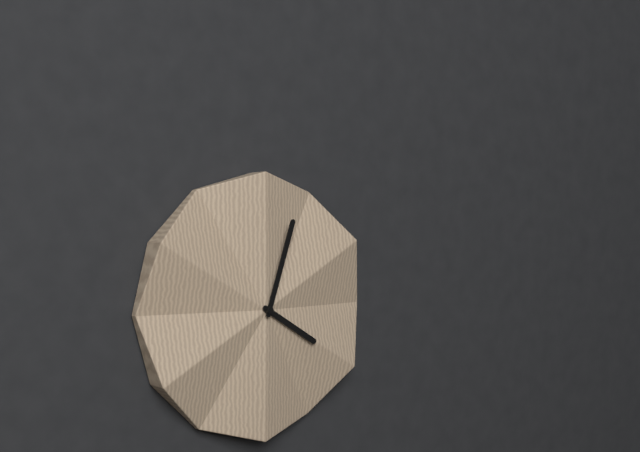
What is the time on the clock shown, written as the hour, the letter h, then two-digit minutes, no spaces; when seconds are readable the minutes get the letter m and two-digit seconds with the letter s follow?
4h03
